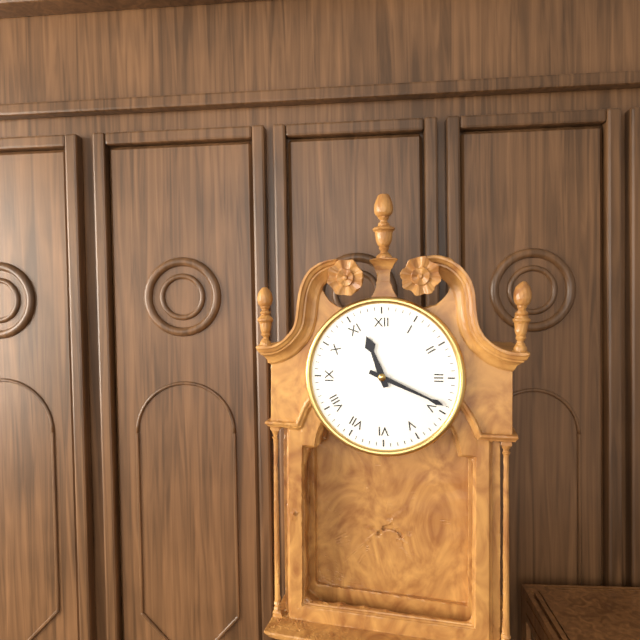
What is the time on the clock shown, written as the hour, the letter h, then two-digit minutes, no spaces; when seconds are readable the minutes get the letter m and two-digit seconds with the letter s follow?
11h19
